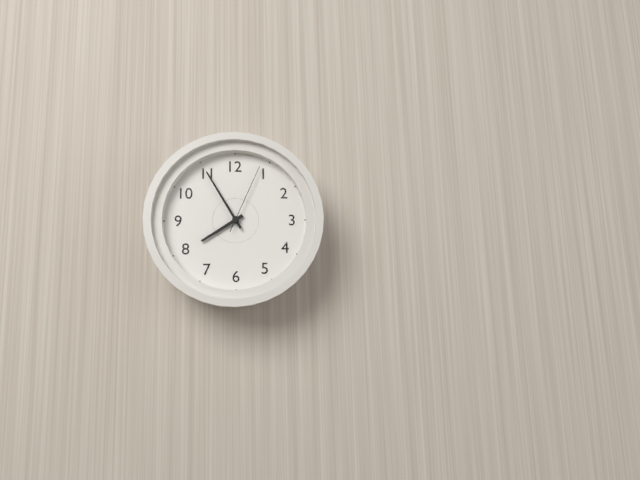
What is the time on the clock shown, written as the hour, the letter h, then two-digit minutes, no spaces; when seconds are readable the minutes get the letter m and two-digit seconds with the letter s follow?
7h55m04s
